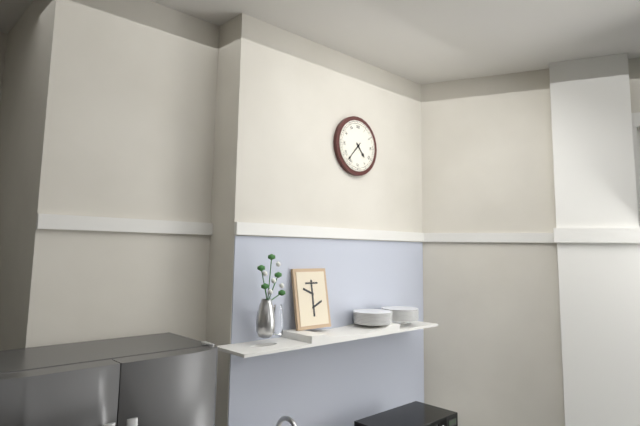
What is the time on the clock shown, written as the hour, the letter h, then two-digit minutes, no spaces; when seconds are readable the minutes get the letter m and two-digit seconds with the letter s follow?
4h37
